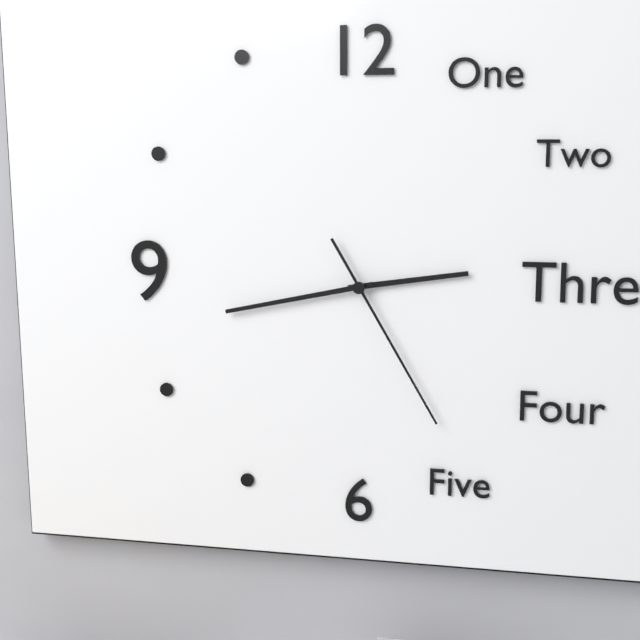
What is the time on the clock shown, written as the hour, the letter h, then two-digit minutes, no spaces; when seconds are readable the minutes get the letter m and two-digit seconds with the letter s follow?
2h43m25s
